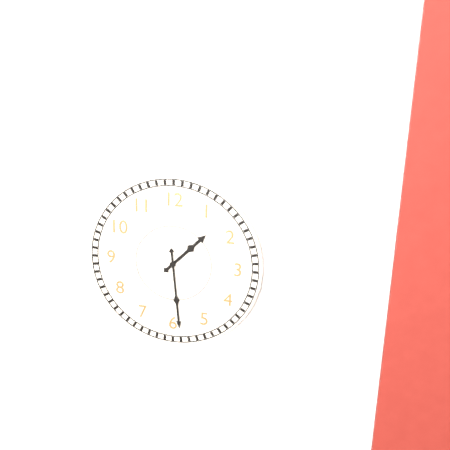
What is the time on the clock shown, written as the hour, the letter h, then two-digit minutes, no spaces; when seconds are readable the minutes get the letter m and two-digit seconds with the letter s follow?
1h29
